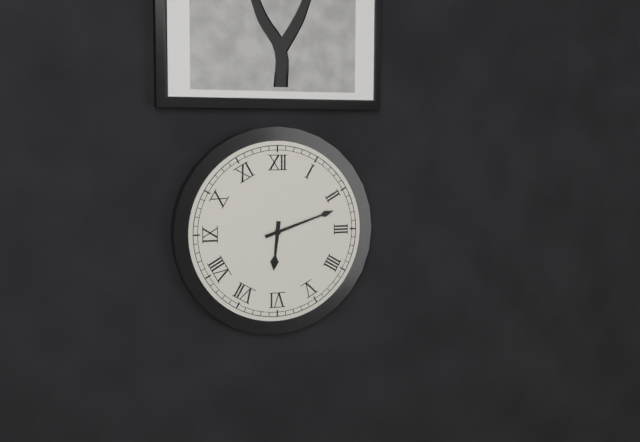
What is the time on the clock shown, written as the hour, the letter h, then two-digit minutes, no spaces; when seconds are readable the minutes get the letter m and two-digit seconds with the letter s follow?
6h12
